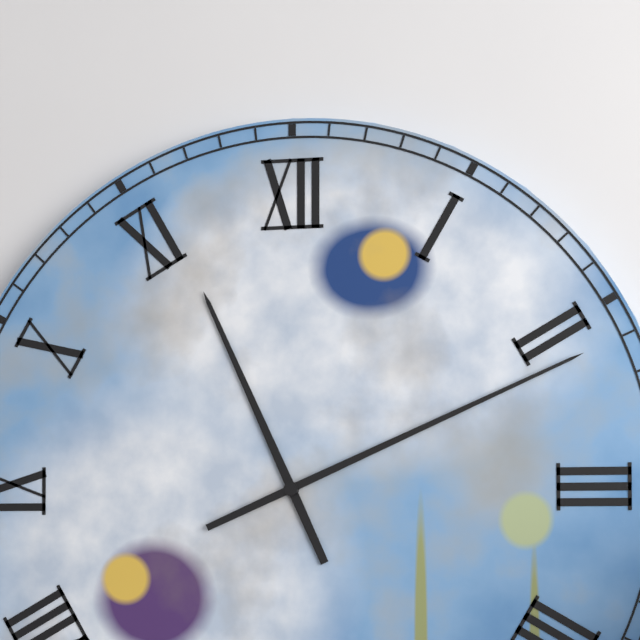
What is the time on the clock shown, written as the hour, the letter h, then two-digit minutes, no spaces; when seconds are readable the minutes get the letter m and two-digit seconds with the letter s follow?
11h11
